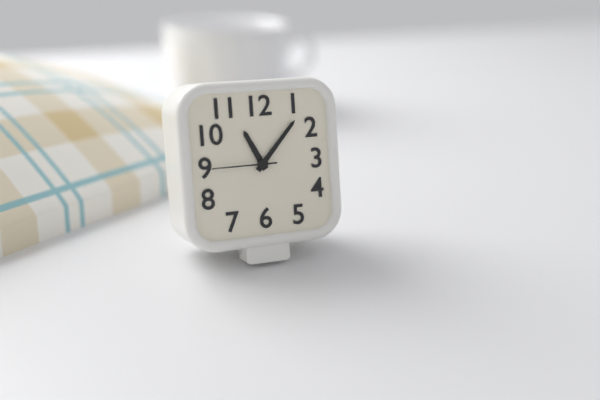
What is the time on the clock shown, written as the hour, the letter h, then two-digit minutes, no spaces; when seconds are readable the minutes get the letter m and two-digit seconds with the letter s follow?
11h07m45s
